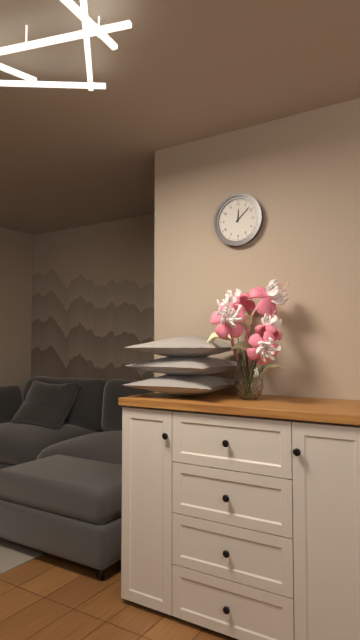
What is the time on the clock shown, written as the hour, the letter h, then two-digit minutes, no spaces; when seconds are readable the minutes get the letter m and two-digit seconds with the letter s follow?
12h08
